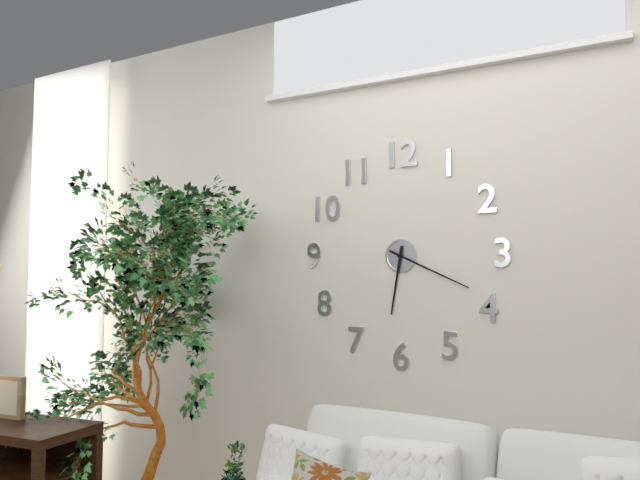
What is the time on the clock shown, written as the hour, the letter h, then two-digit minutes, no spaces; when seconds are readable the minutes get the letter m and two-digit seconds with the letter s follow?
6h19
